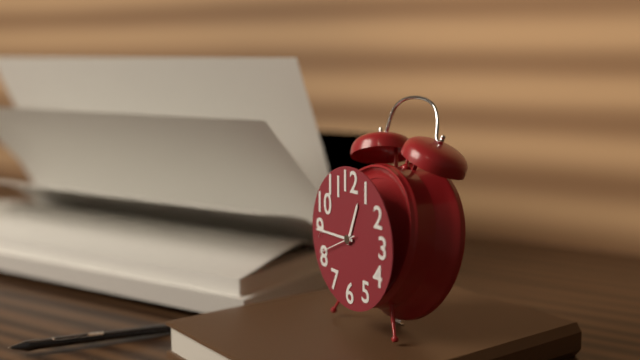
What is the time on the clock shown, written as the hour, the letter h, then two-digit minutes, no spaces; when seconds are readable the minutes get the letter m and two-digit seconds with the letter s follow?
12h45
